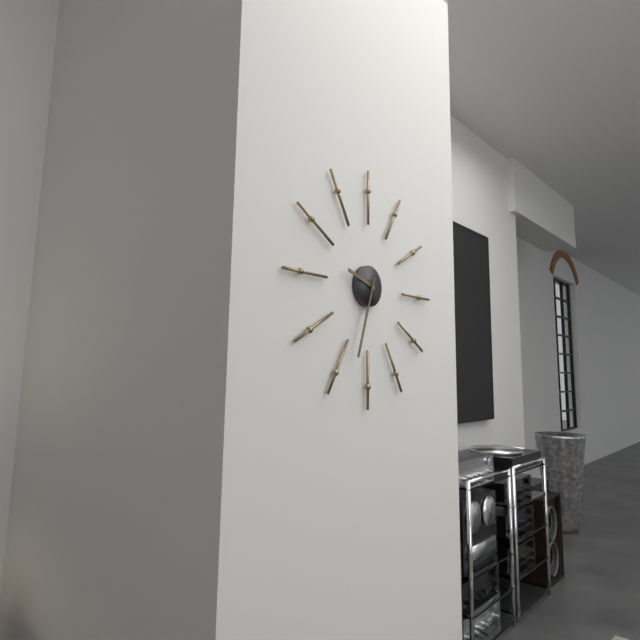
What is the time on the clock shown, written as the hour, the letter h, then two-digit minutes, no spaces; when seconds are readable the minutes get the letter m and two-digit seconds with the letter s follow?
9h33
